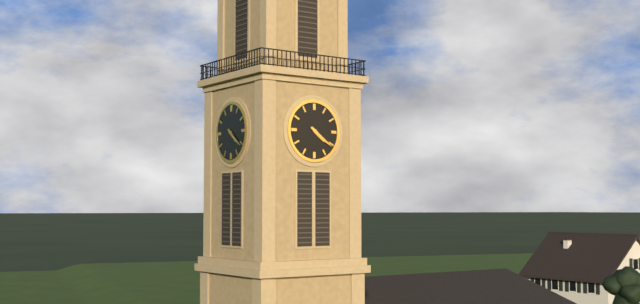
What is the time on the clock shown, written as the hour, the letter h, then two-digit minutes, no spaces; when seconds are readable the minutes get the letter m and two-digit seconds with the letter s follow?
4h21
